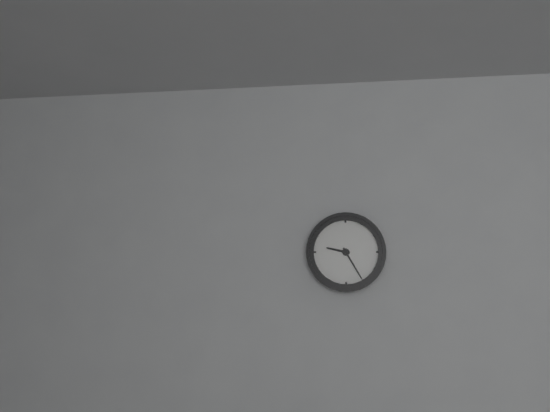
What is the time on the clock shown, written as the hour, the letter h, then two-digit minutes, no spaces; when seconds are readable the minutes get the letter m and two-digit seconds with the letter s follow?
9h25
